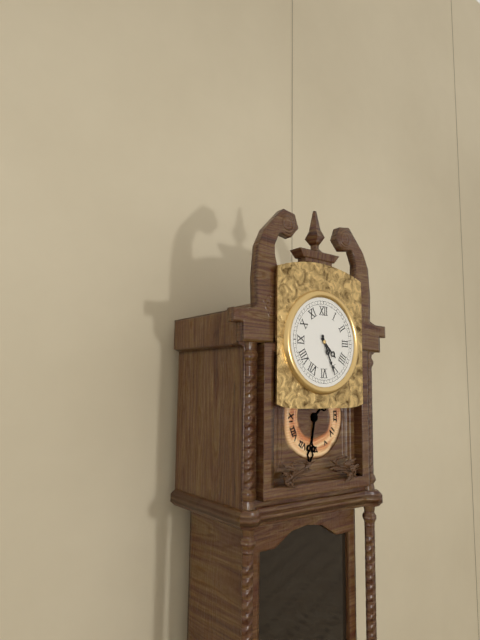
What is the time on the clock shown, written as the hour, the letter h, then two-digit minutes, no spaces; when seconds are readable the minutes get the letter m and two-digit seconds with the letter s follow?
4h26
